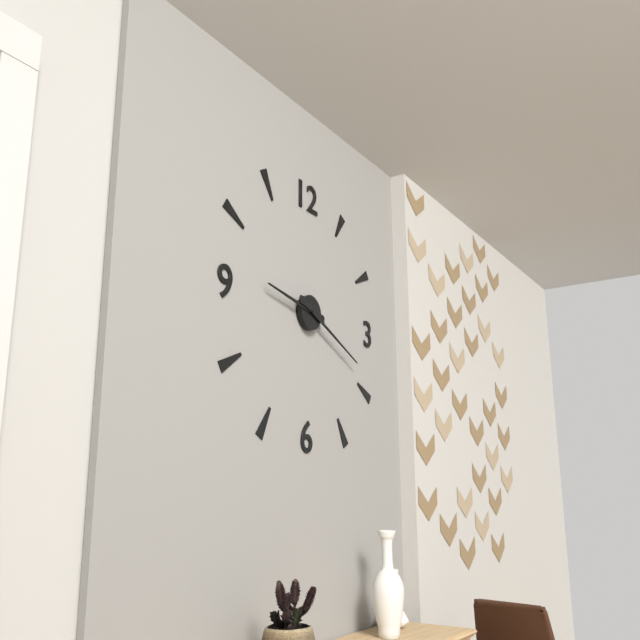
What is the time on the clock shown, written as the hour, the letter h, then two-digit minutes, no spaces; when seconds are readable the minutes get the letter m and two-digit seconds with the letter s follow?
9h19
